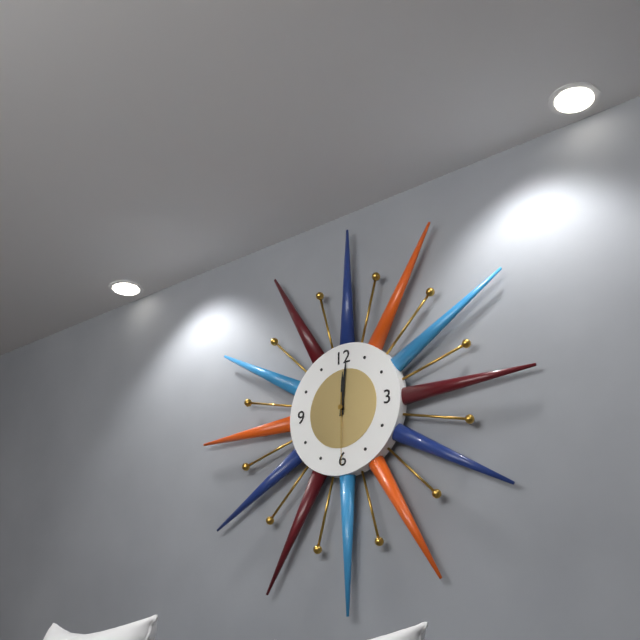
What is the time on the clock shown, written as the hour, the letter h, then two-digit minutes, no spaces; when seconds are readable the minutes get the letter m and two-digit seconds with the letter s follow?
12h01m30s
